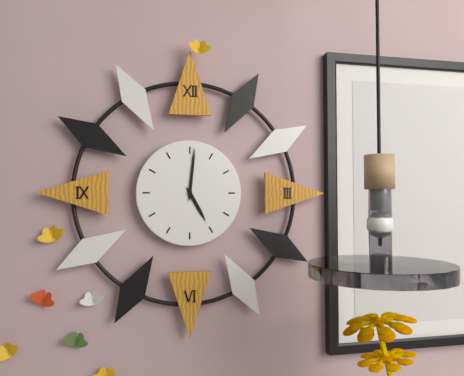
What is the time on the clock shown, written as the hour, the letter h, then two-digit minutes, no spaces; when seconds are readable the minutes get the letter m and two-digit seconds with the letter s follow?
5h01
